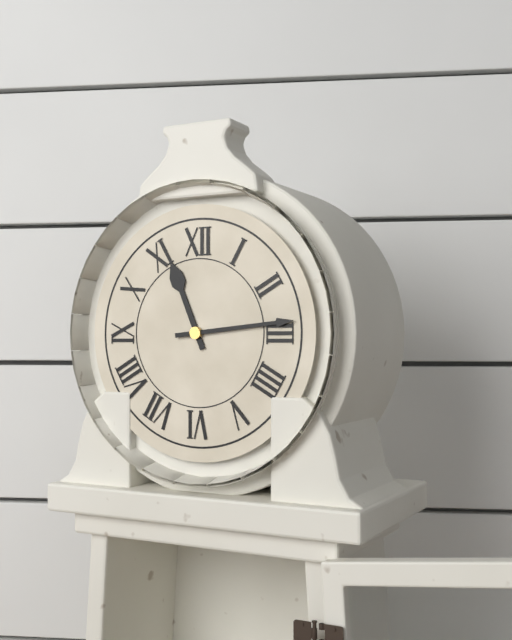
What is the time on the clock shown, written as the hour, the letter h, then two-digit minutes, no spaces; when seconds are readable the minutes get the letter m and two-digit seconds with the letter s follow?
11h14
